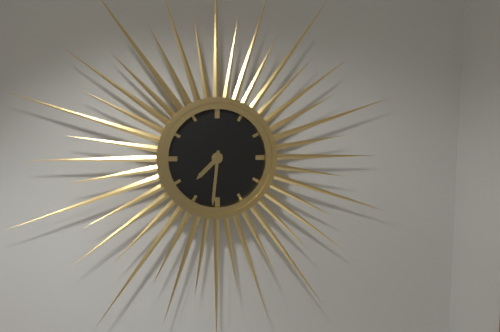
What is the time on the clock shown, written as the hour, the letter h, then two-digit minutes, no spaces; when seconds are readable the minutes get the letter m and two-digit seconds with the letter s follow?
7h31
